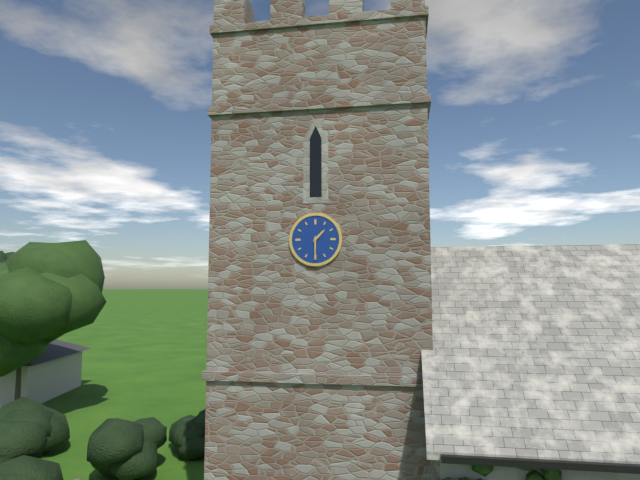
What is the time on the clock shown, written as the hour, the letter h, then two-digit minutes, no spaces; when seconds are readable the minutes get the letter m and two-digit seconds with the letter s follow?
1h30
